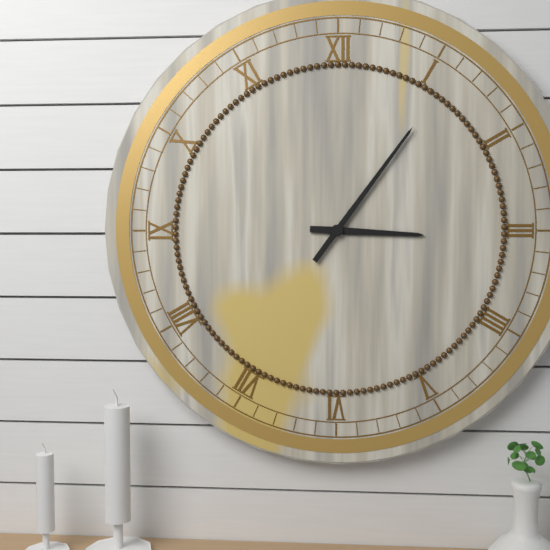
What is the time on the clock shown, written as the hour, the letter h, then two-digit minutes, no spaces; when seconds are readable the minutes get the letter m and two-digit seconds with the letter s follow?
3h06
